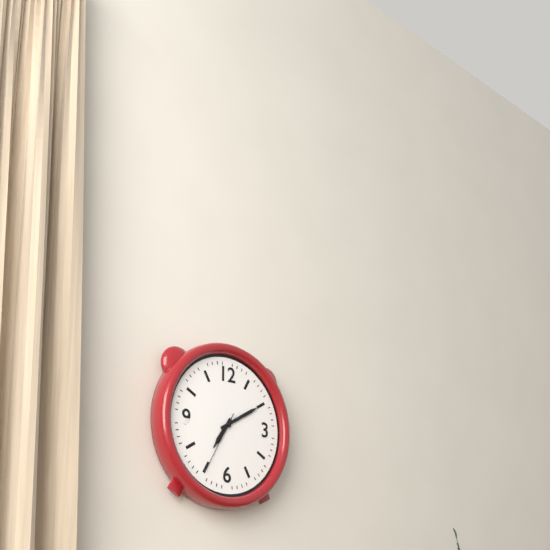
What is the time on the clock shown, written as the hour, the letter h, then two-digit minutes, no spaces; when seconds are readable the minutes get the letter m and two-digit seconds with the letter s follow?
7h10m35s
